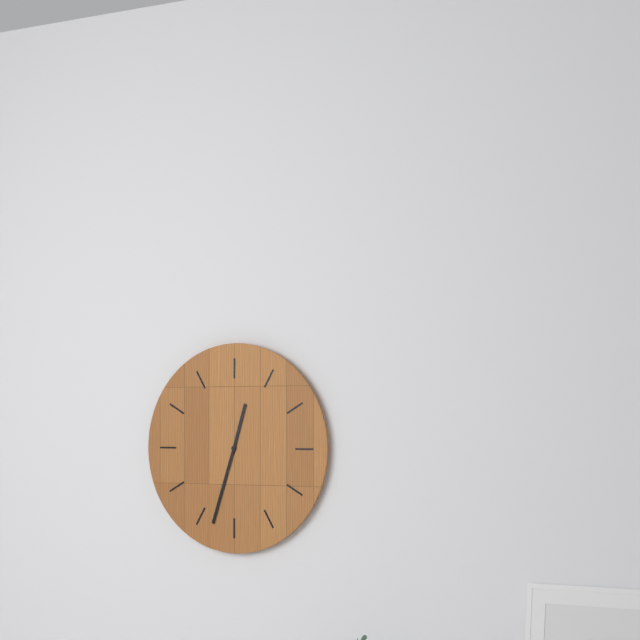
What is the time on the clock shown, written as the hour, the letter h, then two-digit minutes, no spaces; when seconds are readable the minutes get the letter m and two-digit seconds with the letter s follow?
12h33
